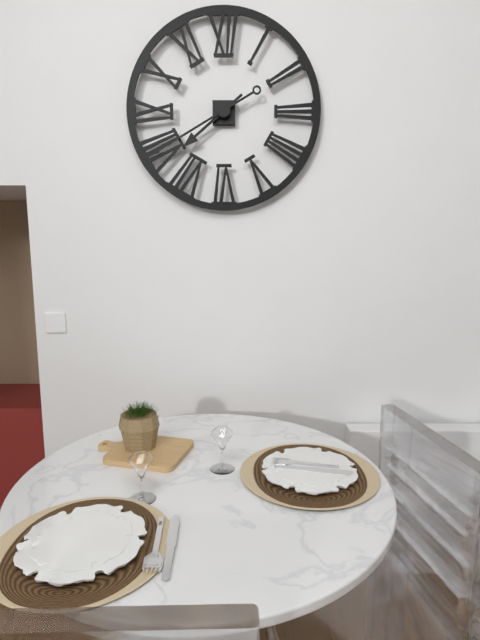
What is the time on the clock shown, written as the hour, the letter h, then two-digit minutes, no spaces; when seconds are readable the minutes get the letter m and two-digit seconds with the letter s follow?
7h40
